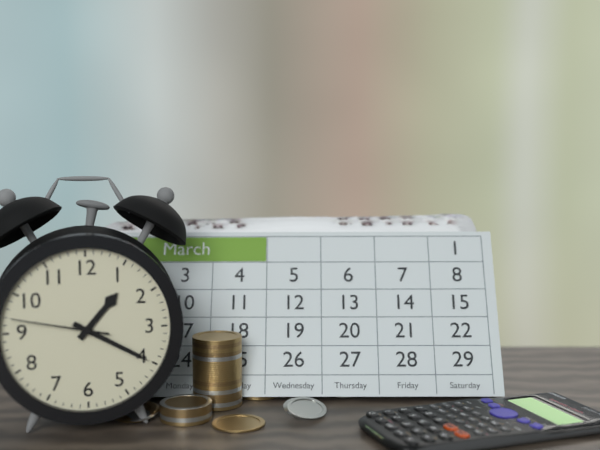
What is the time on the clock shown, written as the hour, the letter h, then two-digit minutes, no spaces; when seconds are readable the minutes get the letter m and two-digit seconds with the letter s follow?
1h20m47s
